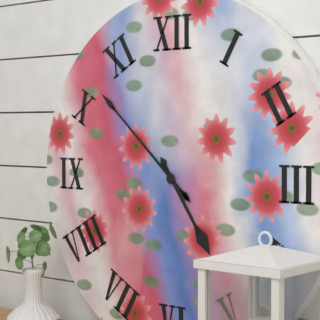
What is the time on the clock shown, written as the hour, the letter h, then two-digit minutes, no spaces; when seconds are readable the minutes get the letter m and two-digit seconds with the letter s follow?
4h52
